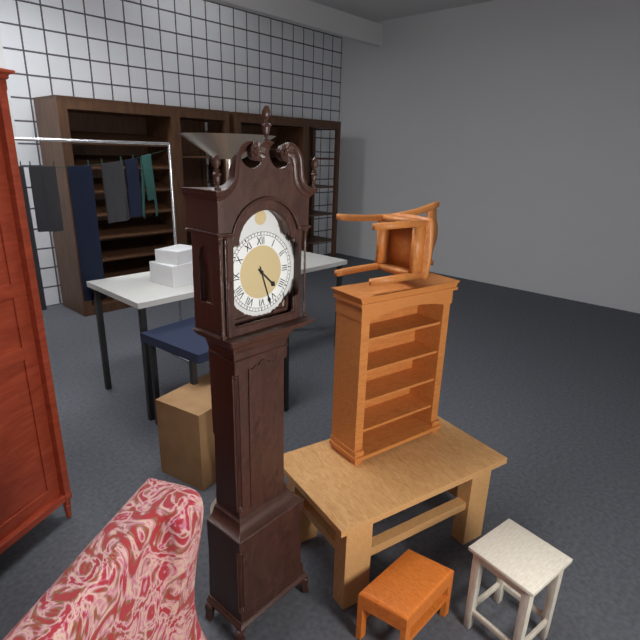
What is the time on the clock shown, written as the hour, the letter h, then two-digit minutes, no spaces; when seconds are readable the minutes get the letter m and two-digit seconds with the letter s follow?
4h27
